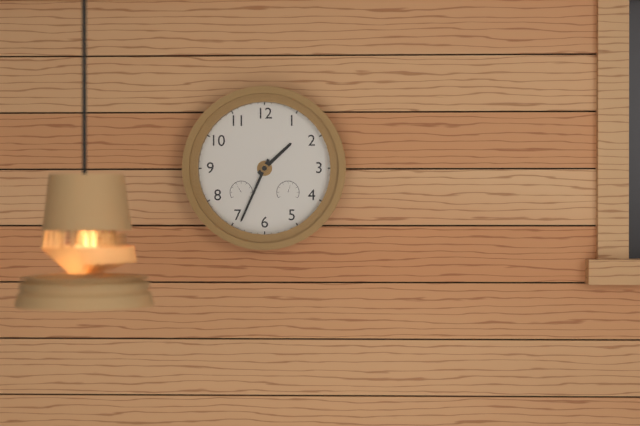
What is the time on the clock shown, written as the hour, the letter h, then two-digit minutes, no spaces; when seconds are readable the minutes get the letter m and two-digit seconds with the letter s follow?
1h34
